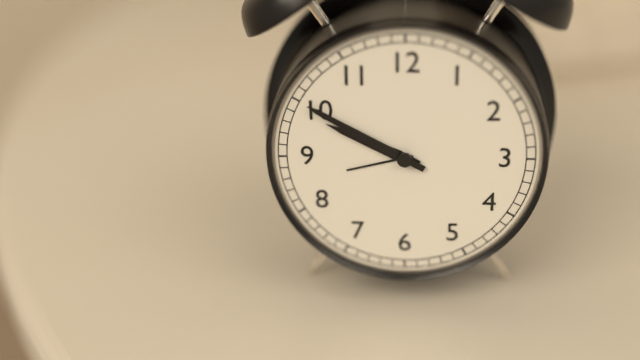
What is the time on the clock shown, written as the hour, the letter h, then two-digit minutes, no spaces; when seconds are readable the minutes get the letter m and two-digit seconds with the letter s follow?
9h50
